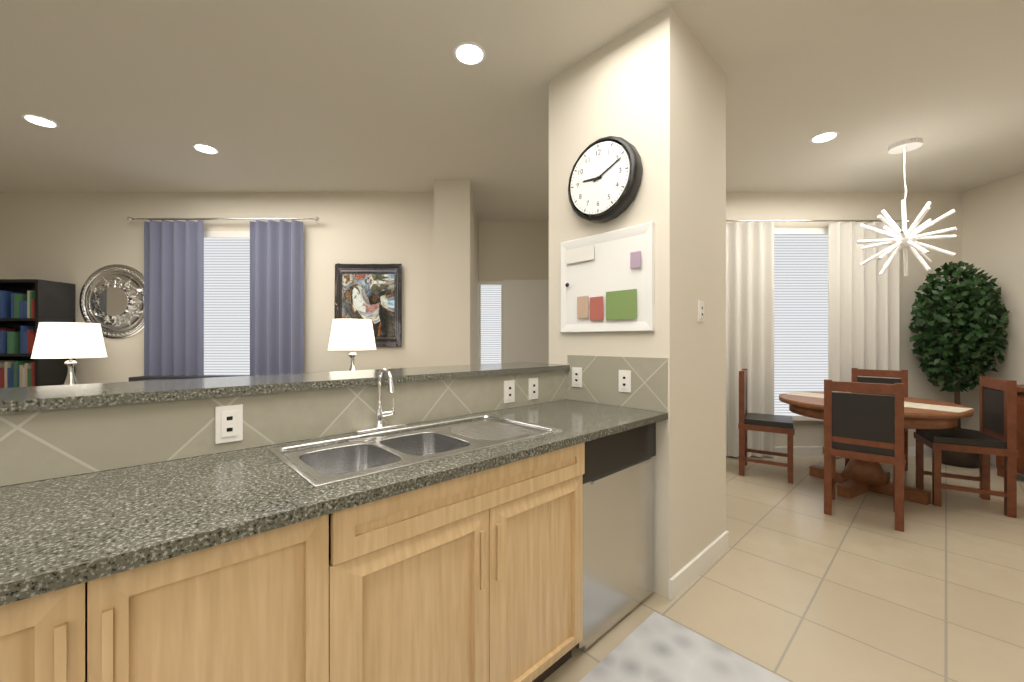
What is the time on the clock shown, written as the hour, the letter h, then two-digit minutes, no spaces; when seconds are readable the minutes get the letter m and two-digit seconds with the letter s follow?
9h11
